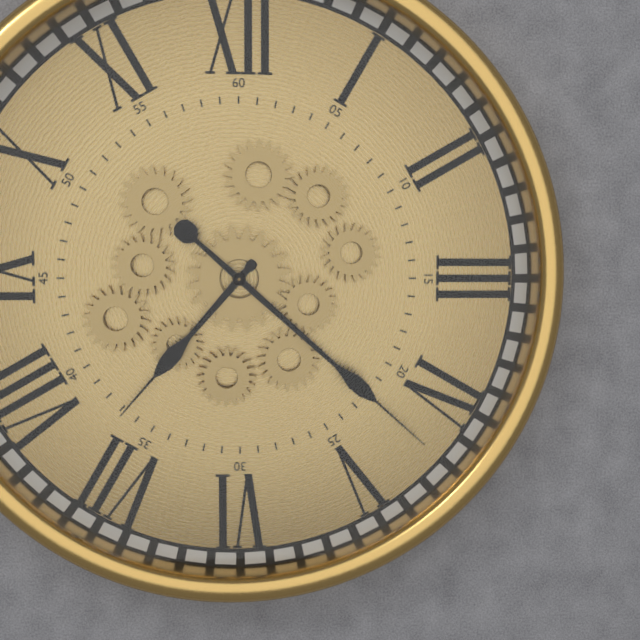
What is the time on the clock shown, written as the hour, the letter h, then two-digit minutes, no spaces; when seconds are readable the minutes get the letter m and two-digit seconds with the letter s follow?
7h22
